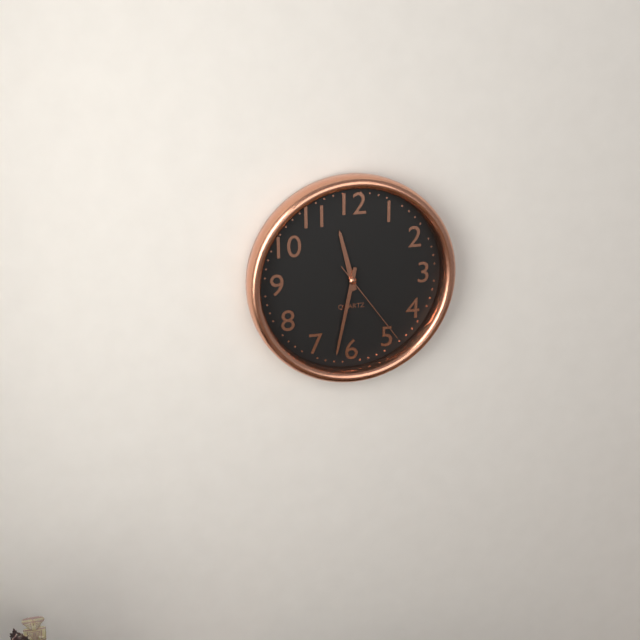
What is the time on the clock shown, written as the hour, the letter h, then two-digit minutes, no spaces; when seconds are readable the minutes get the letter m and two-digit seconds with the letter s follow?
11h32m24s
